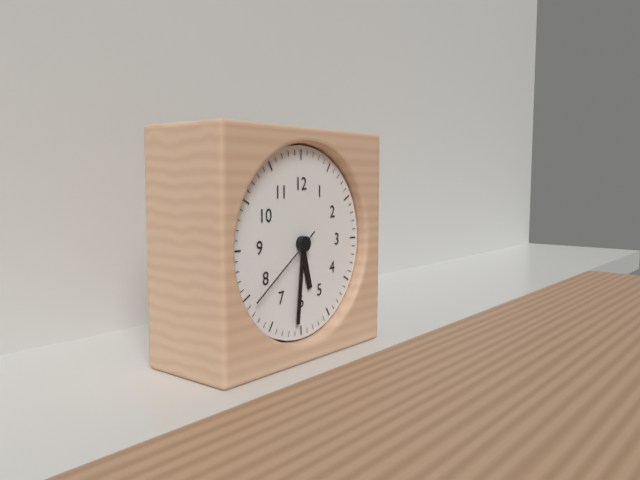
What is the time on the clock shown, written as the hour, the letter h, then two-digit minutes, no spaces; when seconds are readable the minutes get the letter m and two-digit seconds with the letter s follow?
5h31m39s
